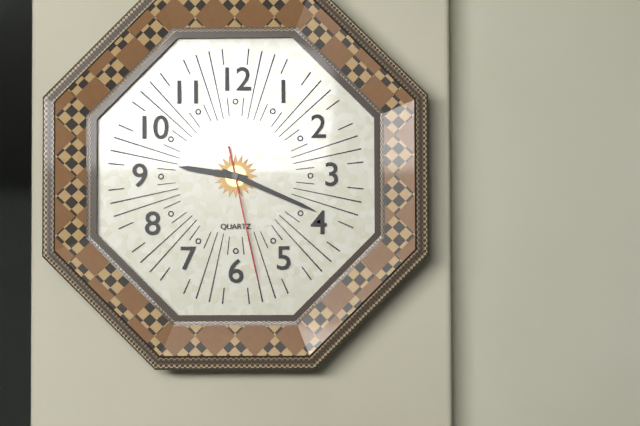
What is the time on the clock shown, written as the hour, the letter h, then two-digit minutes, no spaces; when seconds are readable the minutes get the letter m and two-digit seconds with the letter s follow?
9h19m28s
